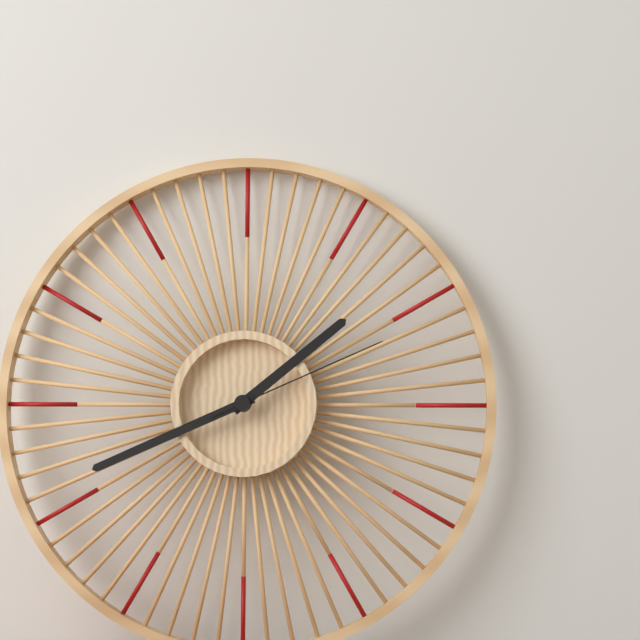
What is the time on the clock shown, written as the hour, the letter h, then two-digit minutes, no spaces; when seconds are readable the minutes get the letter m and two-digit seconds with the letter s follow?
1h41m11s
